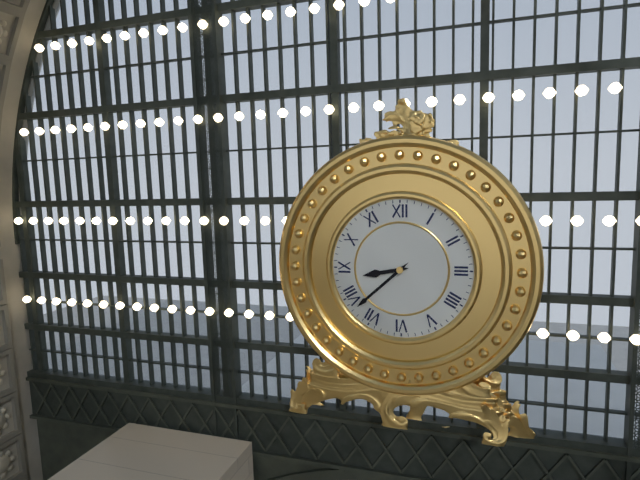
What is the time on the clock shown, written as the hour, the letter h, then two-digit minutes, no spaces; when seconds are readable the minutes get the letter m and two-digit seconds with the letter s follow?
8h38
